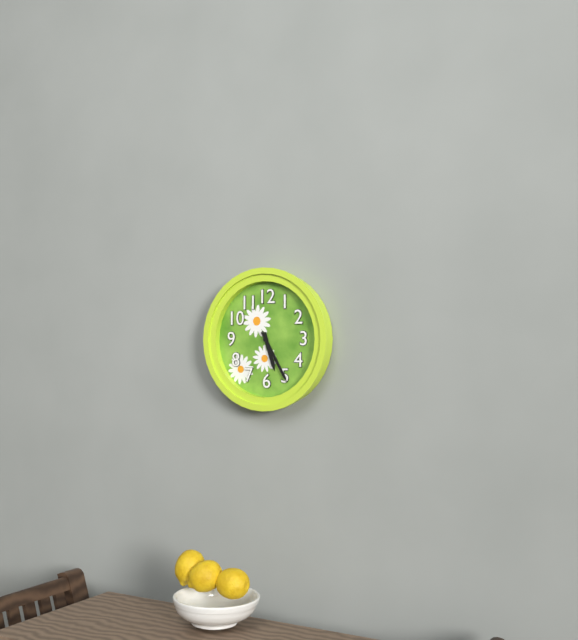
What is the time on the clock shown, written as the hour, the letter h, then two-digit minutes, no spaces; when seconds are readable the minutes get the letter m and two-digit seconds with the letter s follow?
5h25
